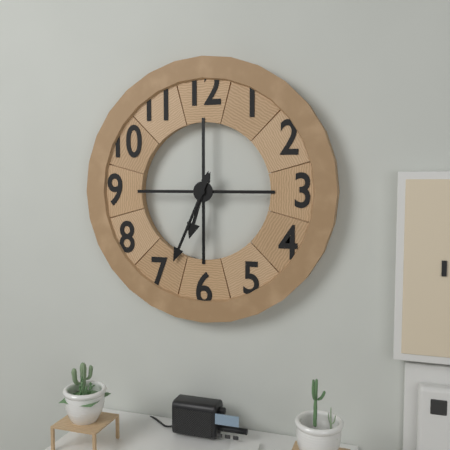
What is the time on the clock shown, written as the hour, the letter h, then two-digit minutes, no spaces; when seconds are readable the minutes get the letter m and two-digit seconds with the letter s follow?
6h34
